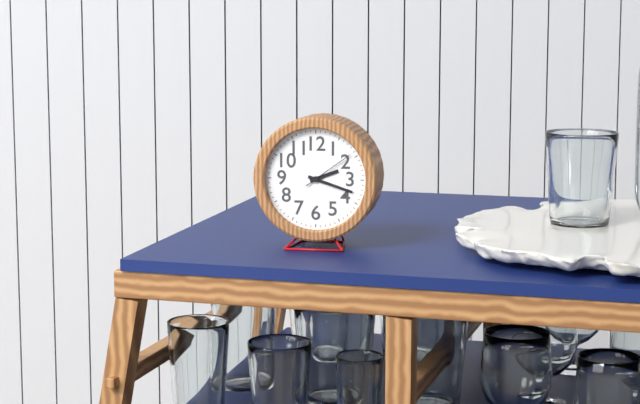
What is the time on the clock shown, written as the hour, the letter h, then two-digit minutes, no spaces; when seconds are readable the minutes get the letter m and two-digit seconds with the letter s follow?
2h18m09s
